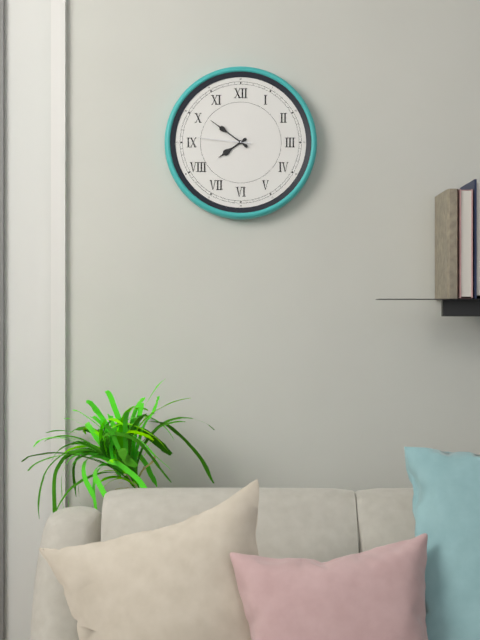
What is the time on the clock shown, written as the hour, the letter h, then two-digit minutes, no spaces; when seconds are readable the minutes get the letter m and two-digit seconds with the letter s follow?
7h51m46s
